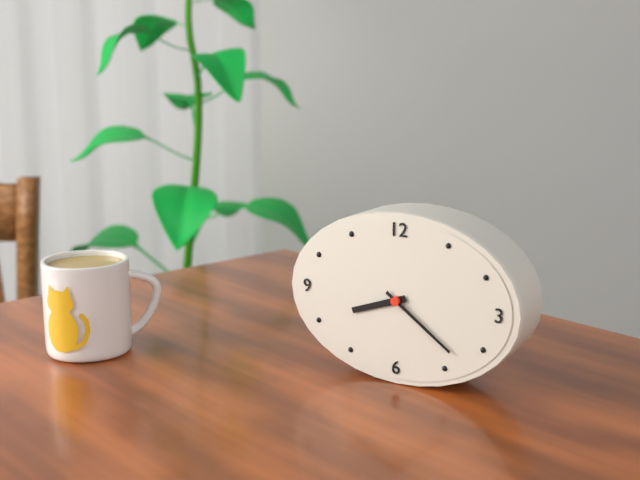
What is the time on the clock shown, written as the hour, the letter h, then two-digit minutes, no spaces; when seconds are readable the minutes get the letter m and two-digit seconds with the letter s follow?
8h21
